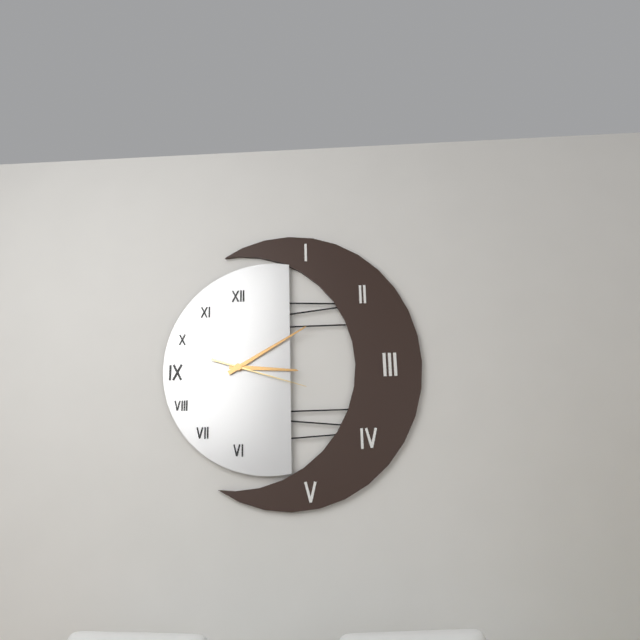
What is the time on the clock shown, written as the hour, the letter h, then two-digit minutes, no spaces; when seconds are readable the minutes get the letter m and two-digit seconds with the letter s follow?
3h10m18s
